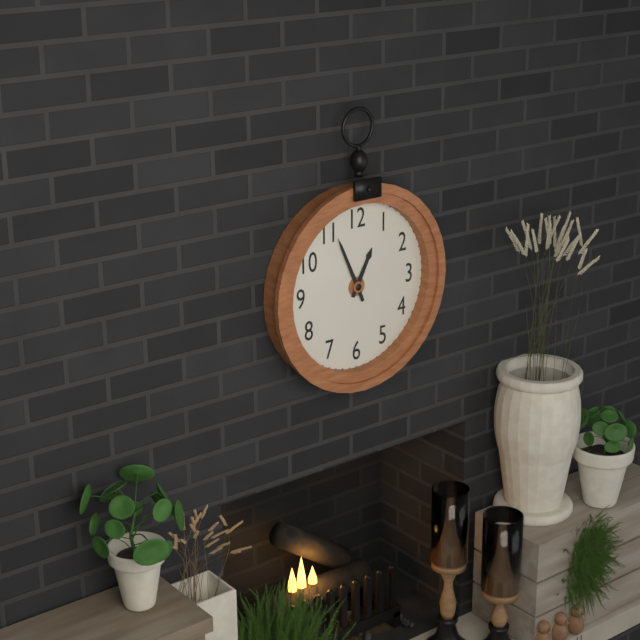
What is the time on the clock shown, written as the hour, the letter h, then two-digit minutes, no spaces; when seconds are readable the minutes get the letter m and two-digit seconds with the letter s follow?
12h56
